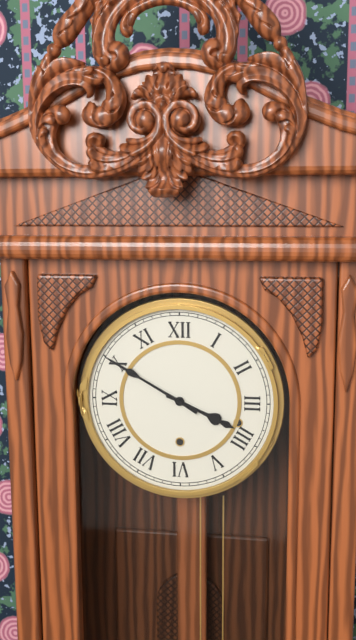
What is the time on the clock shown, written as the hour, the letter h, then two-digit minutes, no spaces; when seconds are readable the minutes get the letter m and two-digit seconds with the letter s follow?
3h50
